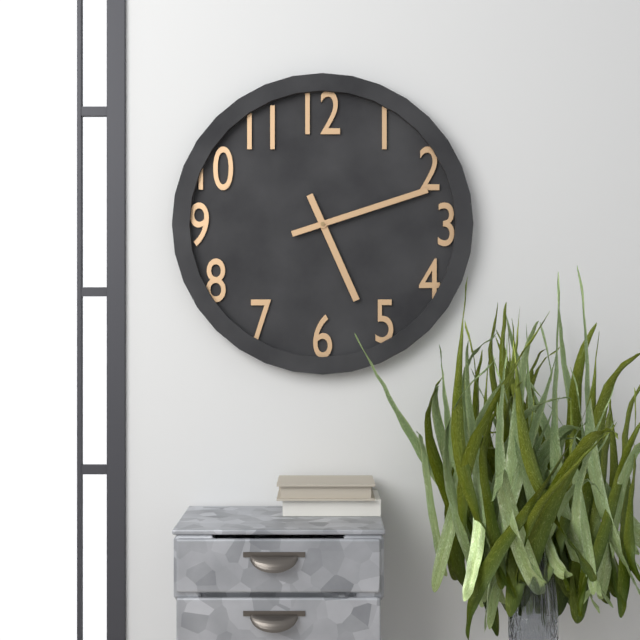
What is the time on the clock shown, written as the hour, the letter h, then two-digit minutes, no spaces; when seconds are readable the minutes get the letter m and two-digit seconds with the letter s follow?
5h12
